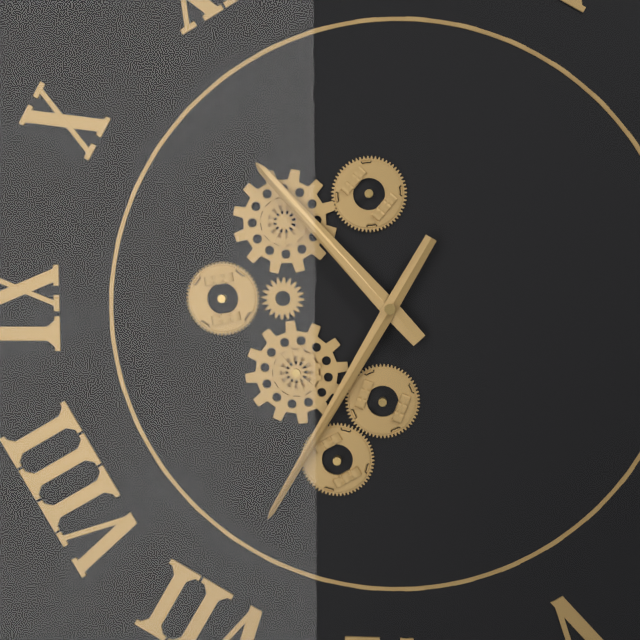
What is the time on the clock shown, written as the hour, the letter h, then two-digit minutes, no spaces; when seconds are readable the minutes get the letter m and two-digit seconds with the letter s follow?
10h35
